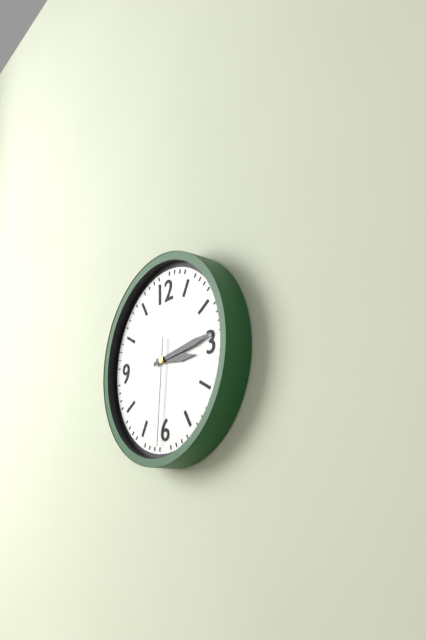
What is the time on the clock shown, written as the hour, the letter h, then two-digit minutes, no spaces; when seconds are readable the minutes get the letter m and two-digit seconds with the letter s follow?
3h14m31s
